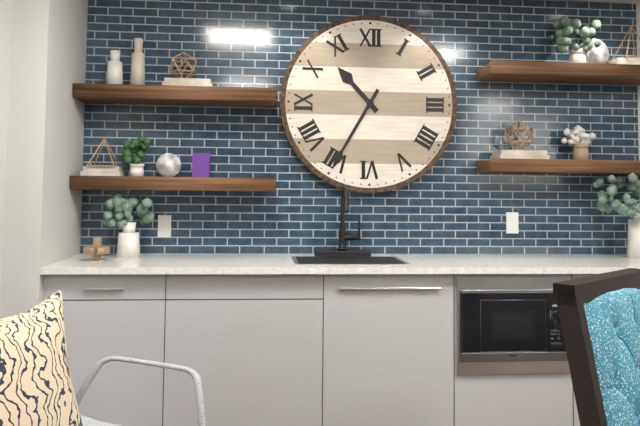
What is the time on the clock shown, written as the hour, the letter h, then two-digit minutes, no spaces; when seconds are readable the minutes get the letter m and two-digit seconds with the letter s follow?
10h35
